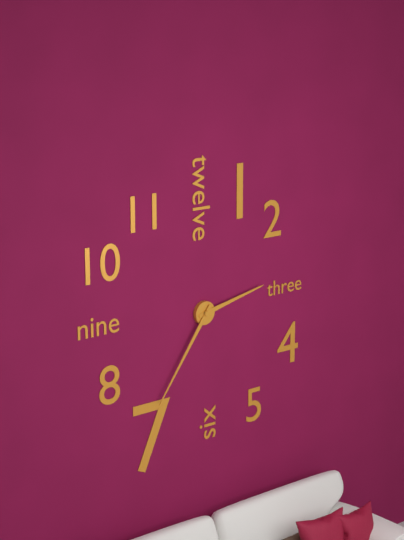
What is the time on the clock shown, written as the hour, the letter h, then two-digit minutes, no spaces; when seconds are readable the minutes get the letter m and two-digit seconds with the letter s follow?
2h36
